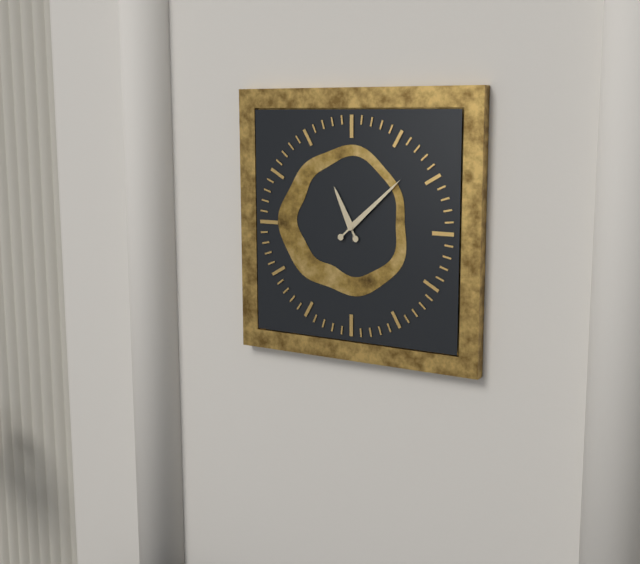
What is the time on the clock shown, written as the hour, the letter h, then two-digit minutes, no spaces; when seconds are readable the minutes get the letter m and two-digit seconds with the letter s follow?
11h08
